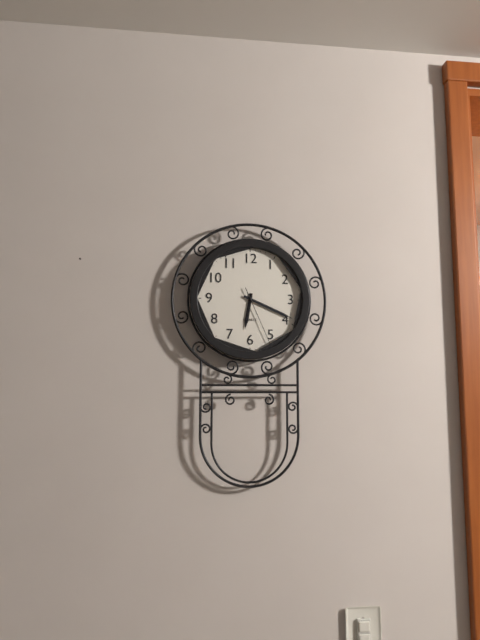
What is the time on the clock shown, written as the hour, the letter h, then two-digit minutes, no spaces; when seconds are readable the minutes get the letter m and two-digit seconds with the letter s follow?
6h19m26s
